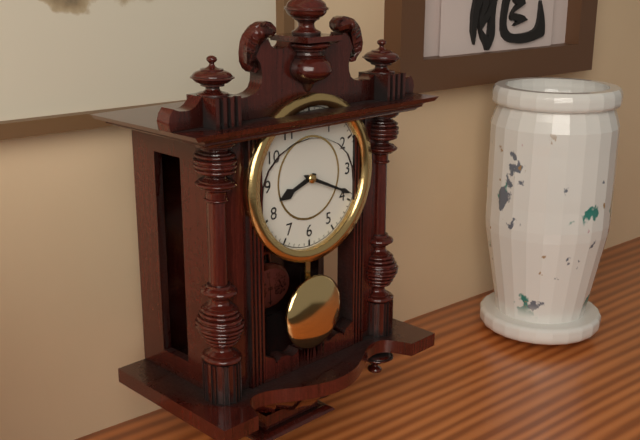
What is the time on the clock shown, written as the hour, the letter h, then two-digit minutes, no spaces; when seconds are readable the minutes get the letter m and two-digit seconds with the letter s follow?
8h19
